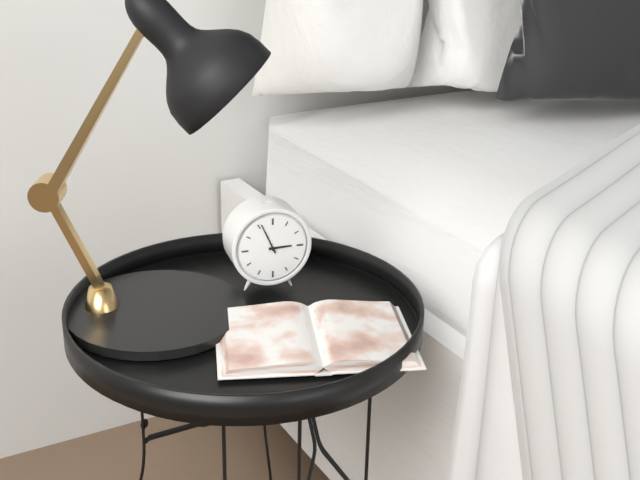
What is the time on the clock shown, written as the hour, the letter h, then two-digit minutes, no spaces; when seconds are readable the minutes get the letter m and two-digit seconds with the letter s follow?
2h56
